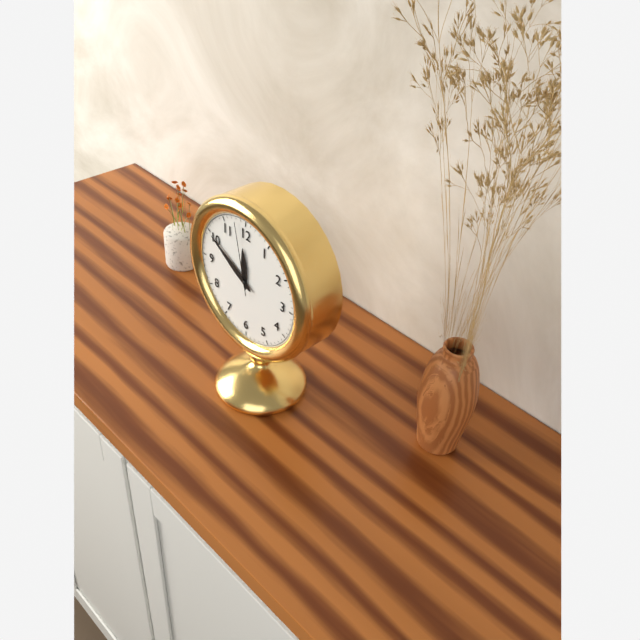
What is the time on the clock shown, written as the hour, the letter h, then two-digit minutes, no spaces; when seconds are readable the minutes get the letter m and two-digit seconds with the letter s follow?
11h50m58s
